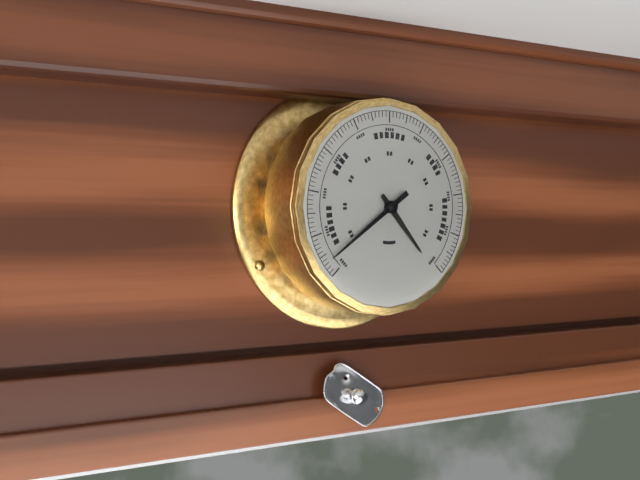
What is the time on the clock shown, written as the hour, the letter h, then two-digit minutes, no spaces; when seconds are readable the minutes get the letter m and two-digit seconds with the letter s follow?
4h39
